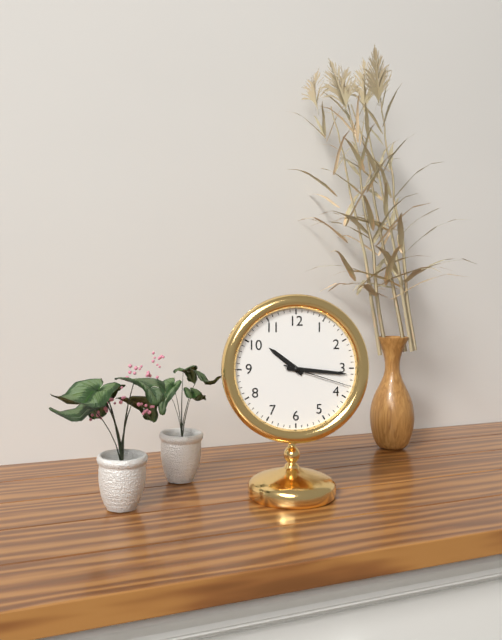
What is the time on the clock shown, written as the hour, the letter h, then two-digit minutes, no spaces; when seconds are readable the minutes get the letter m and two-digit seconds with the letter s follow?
10h16m18s
